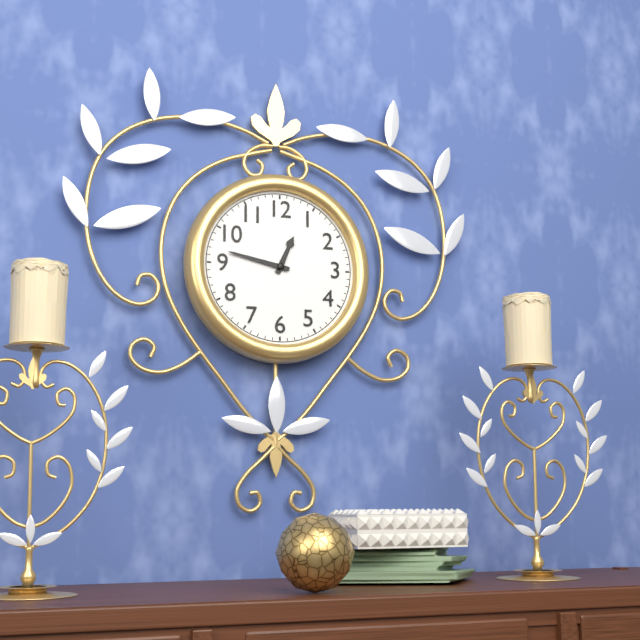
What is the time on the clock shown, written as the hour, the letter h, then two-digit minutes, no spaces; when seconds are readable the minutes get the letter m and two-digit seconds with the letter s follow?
12h47
